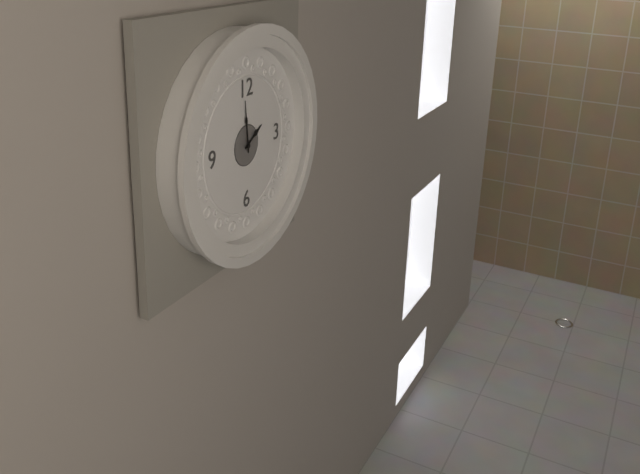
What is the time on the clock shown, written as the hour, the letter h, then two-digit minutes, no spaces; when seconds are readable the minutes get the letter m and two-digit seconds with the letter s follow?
1h59
